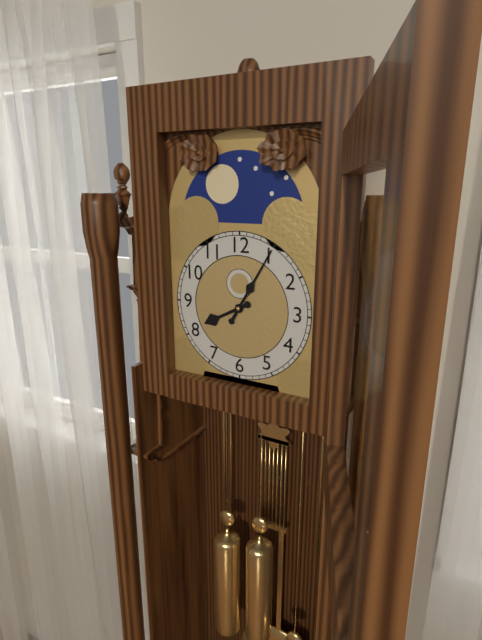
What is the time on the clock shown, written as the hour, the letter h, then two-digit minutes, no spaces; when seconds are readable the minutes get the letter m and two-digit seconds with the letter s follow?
8h05
